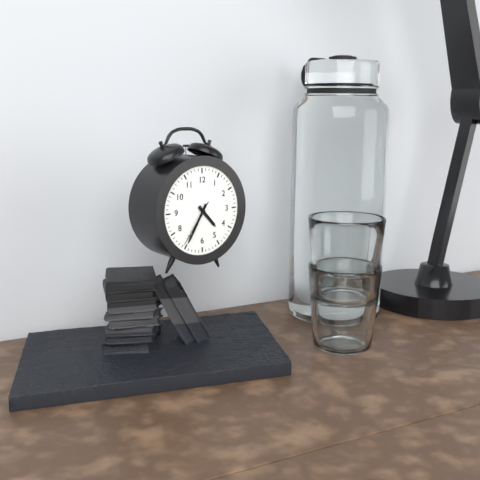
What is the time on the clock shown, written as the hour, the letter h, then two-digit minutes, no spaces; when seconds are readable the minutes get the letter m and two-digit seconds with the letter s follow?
4h35
